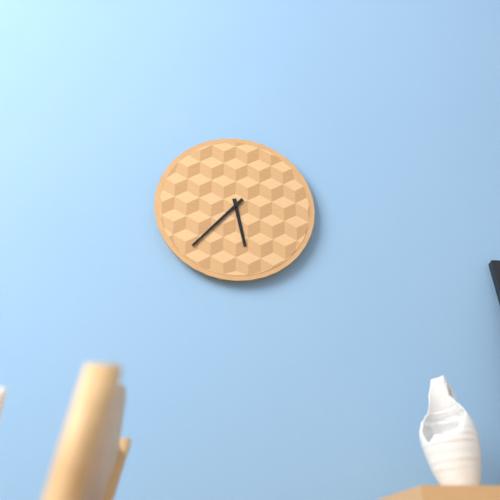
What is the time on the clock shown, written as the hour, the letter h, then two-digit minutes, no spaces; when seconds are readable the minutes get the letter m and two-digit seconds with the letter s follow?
5h37
